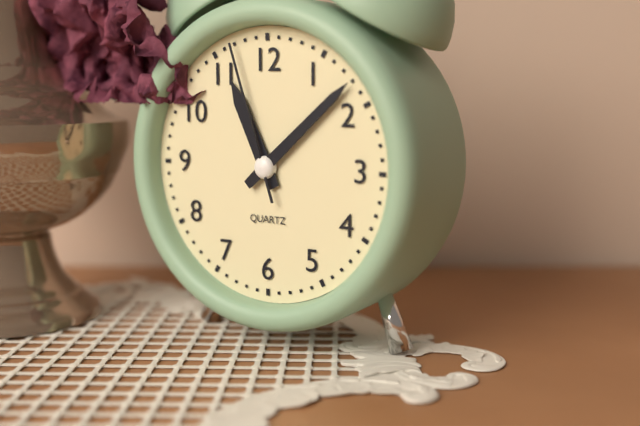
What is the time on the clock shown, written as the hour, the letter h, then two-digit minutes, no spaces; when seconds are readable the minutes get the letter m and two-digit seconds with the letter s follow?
11h08m57s
